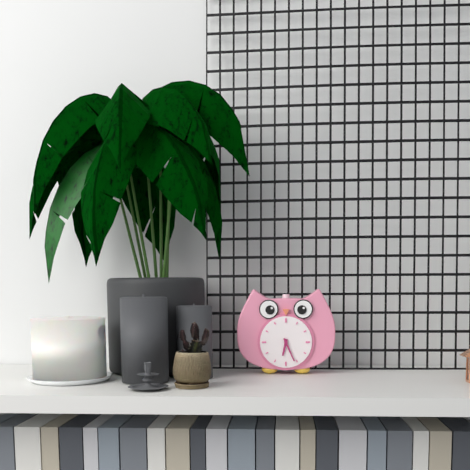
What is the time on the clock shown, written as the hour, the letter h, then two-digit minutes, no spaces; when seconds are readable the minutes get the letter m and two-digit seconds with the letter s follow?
6h26
